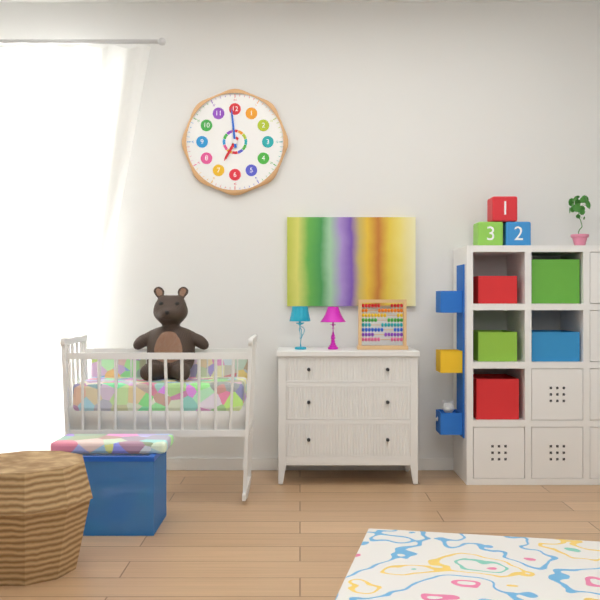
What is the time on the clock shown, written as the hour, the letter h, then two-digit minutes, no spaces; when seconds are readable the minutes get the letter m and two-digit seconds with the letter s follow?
6h59
